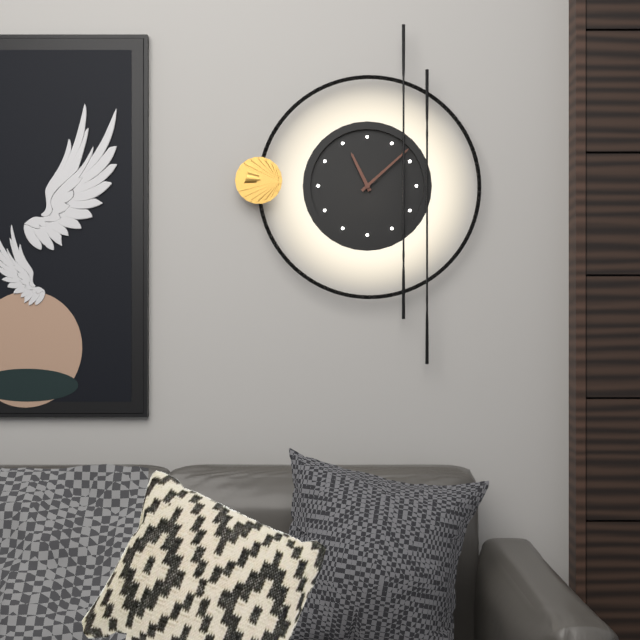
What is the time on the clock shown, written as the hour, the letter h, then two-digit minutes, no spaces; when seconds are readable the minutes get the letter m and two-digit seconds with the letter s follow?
11h08
